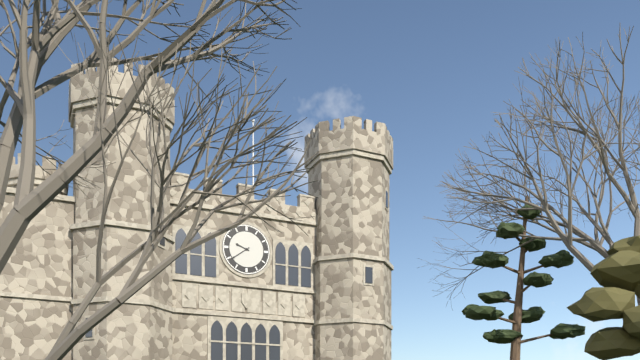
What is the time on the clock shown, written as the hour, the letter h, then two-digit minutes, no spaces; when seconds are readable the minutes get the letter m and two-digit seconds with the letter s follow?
9h39
